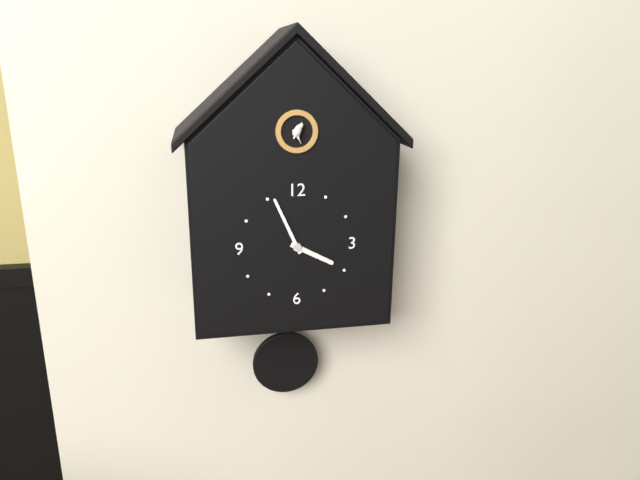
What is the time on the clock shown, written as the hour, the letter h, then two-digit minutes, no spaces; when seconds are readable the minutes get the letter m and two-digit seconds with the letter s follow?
3h56
